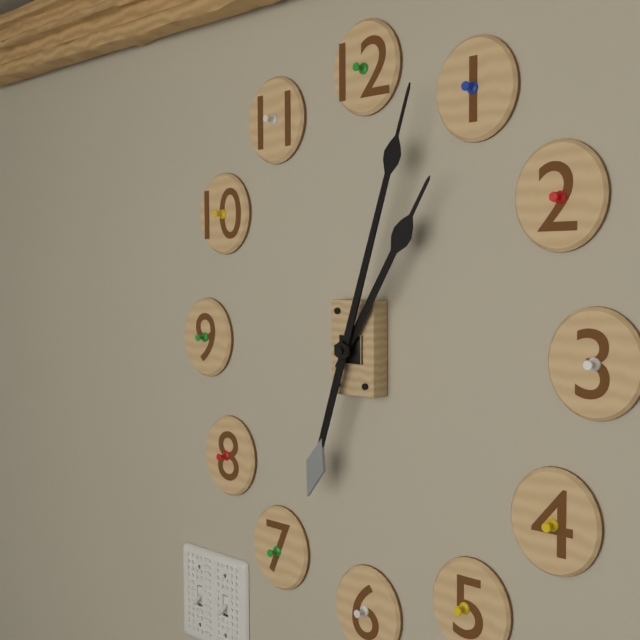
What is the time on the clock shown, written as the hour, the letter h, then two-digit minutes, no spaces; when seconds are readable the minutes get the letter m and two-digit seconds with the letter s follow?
1h03
